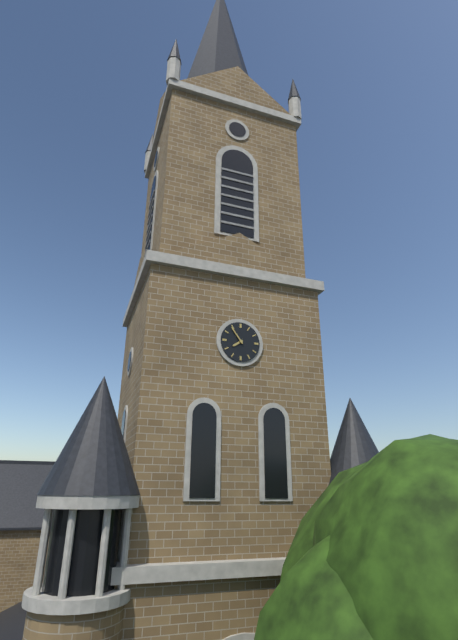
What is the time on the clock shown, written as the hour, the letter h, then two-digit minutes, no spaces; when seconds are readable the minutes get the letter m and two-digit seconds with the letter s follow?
7h54
